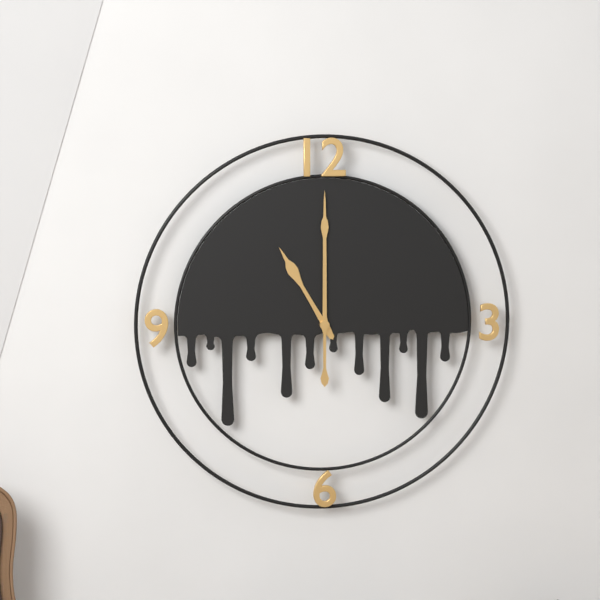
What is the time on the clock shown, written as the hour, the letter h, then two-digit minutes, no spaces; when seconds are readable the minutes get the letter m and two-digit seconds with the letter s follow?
11h00
